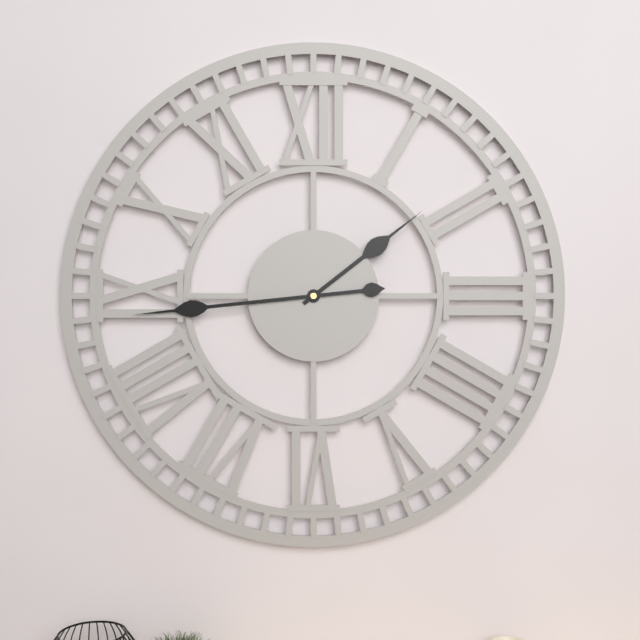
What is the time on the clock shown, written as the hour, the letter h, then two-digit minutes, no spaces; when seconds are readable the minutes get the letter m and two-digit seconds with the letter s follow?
1h44
